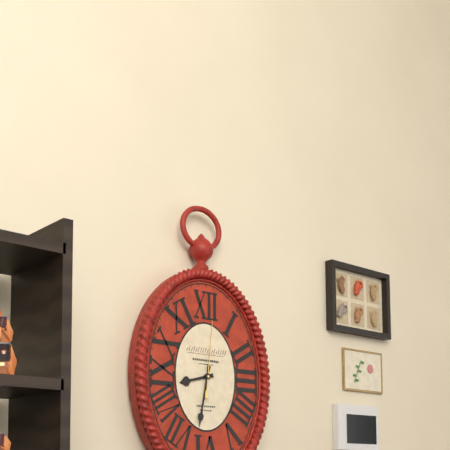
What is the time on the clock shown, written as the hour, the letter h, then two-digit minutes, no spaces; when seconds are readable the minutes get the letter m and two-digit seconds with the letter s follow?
8h32m01s
